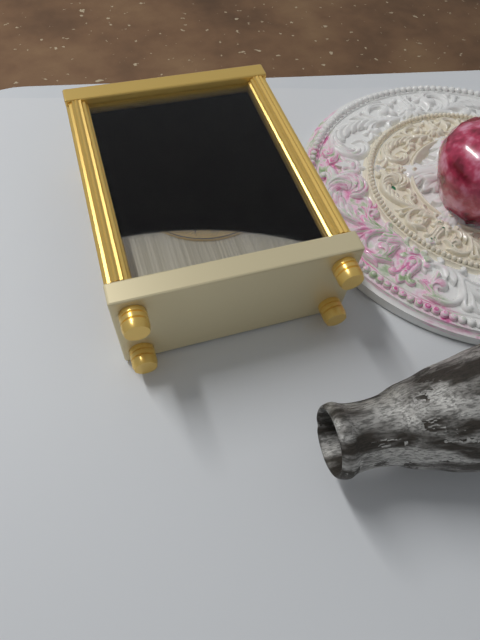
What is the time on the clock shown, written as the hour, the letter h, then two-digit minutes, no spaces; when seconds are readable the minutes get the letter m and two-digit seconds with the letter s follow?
3h17
